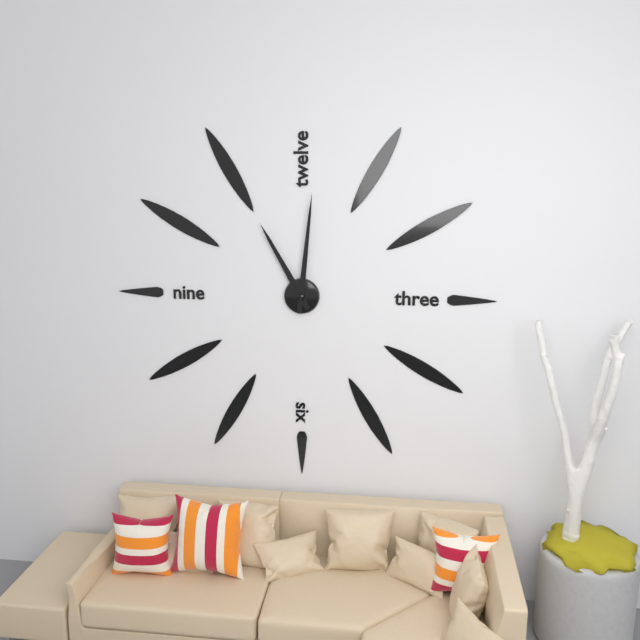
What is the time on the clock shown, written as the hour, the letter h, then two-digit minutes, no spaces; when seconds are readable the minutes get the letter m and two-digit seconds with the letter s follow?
11h01
